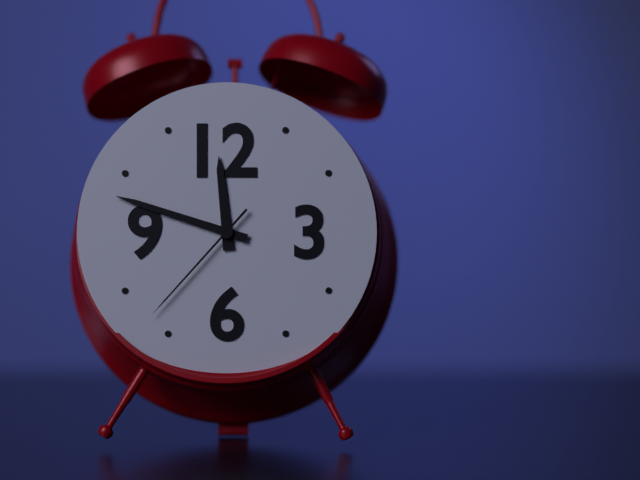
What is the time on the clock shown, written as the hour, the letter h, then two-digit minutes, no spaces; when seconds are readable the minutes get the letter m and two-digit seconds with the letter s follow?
11h48m37s
